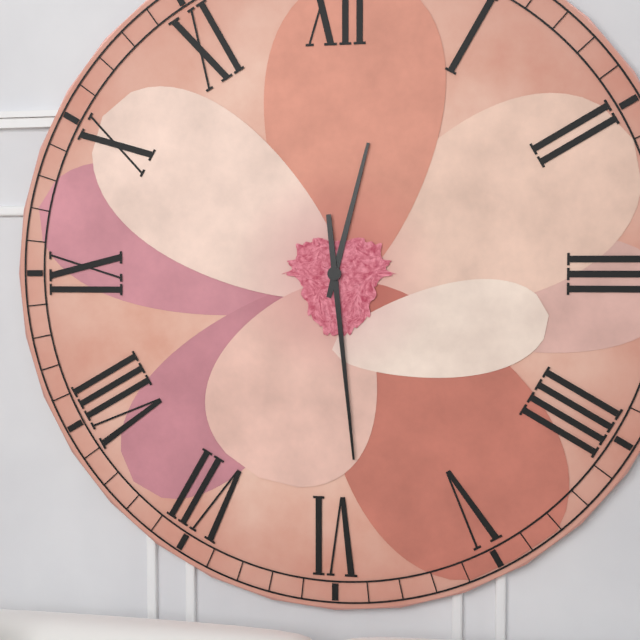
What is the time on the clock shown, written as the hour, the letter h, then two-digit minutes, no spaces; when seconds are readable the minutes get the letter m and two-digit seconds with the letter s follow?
12h29
